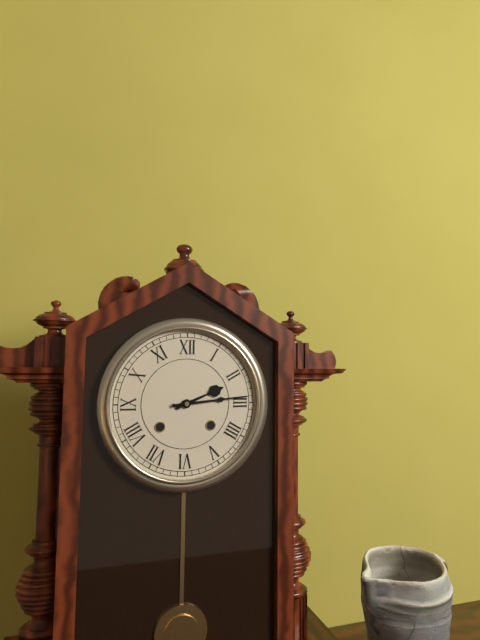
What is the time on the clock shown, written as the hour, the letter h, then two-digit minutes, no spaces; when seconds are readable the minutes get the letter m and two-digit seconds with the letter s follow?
2h14
